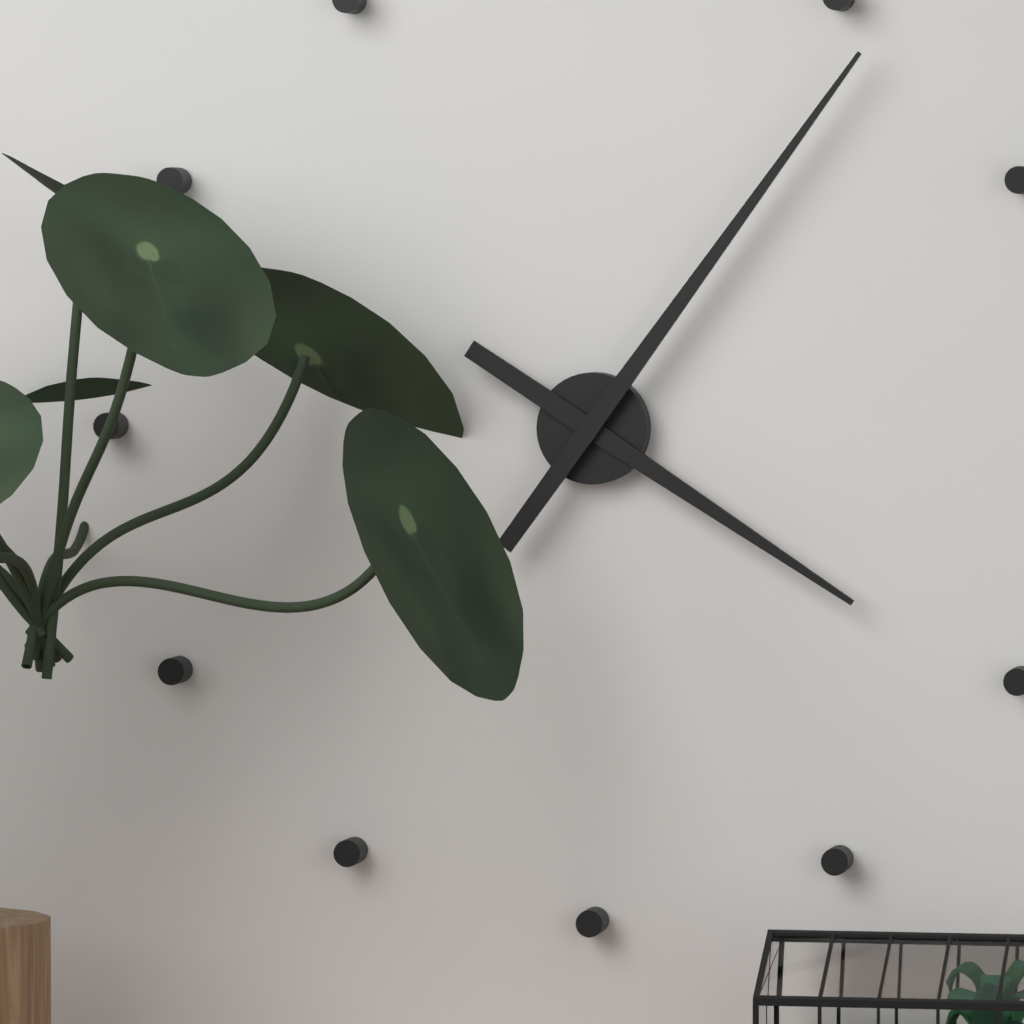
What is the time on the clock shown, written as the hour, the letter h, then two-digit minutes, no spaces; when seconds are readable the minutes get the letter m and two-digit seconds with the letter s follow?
4h06
